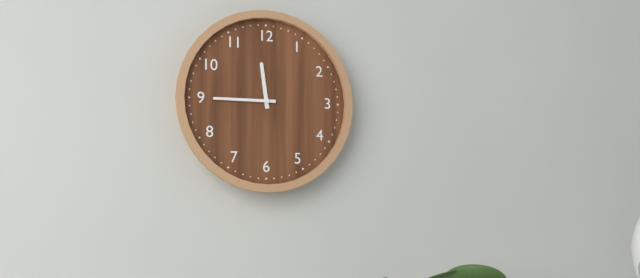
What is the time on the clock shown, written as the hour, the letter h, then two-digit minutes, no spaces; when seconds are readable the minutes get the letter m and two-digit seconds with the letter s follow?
11h45
